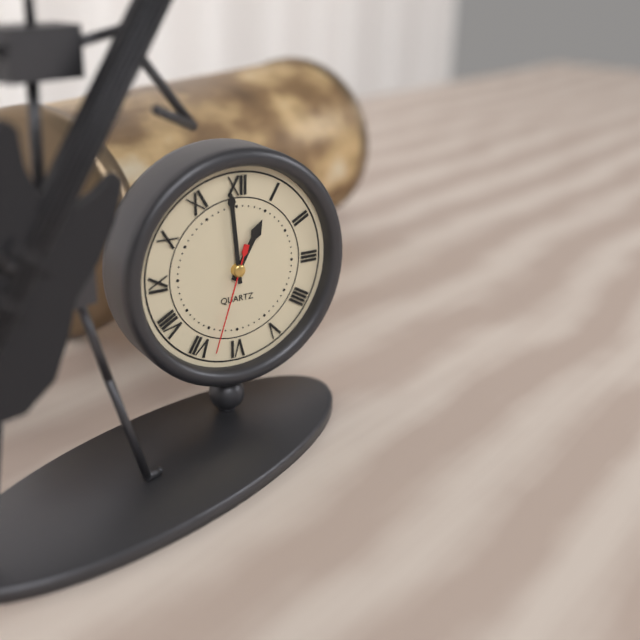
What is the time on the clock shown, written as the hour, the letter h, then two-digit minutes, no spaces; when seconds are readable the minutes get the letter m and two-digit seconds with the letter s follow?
12h59m33s
